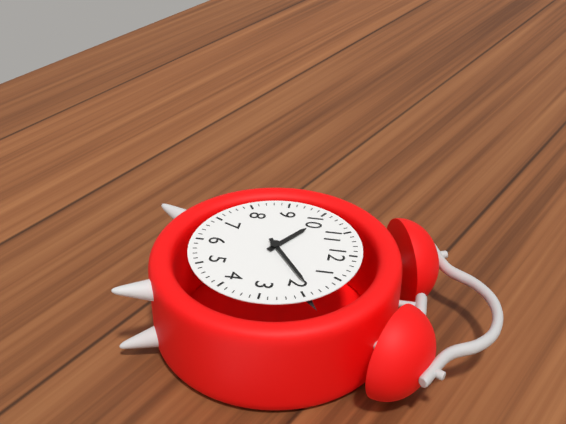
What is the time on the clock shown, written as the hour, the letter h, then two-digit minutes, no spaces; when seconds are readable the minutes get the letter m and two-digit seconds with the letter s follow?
10h09
